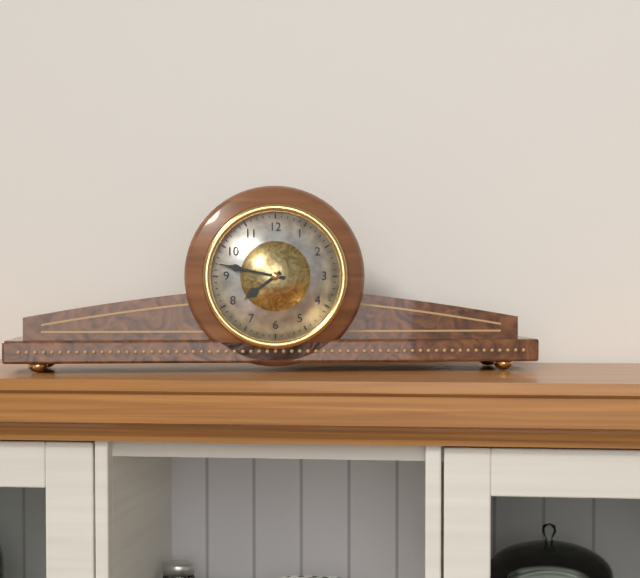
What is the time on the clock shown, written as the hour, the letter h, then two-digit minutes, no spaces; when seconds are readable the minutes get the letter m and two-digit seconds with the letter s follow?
7h47
